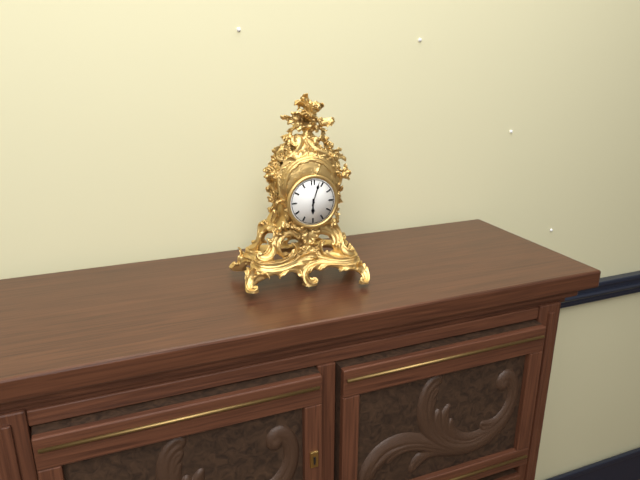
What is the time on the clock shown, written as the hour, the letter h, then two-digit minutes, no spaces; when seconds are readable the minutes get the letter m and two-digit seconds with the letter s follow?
6h03
